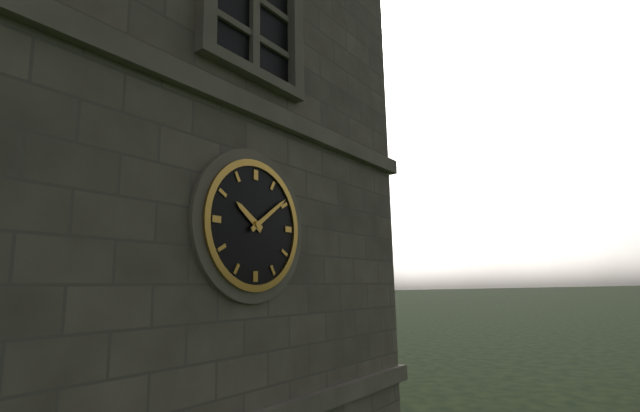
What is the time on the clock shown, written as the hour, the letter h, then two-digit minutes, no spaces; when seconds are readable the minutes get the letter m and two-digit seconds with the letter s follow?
10h09
